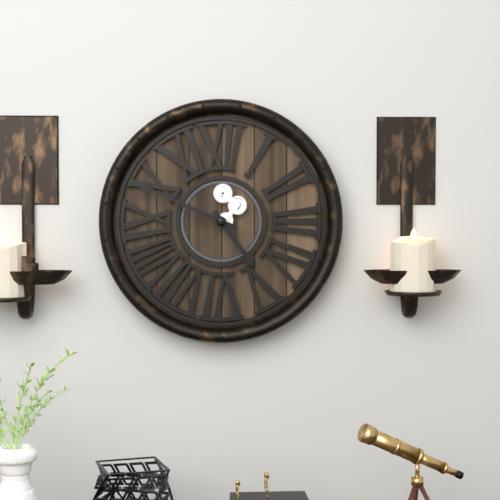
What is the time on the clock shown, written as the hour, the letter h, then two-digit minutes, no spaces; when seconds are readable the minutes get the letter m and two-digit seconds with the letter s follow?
4h49
